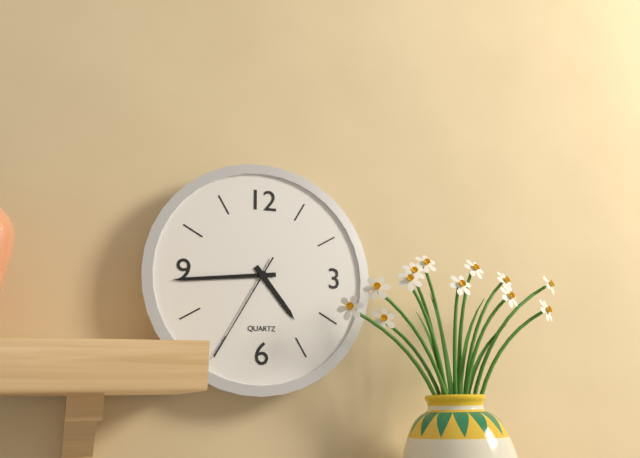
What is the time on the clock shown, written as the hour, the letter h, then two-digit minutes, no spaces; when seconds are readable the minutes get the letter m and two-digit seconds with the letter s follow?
4h44m35s
